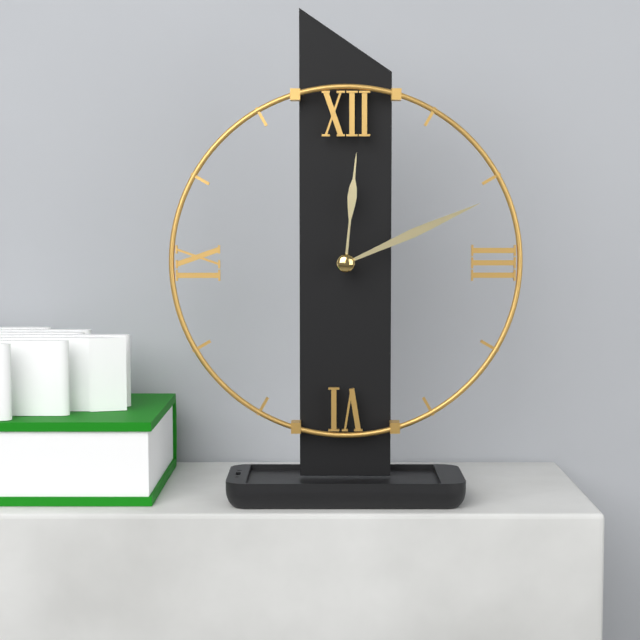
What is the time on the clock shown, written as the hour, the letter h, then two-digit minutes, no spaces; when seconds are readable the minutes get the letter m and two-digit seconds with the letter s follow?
12h11
